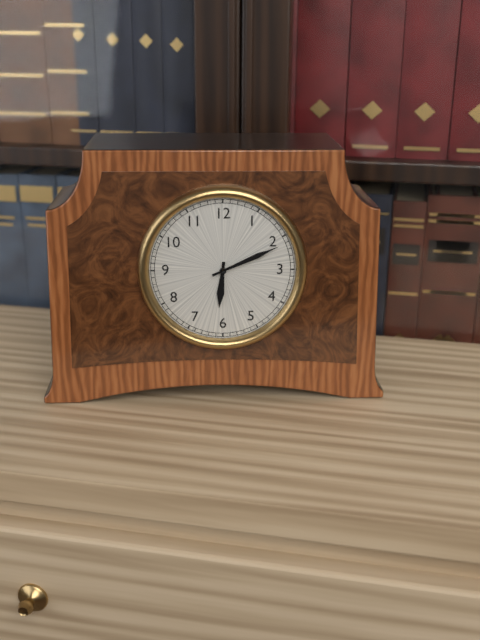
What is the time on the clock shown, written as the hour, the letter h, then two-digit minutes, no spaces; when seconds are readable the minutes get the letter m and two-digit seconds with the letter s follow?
6h11
